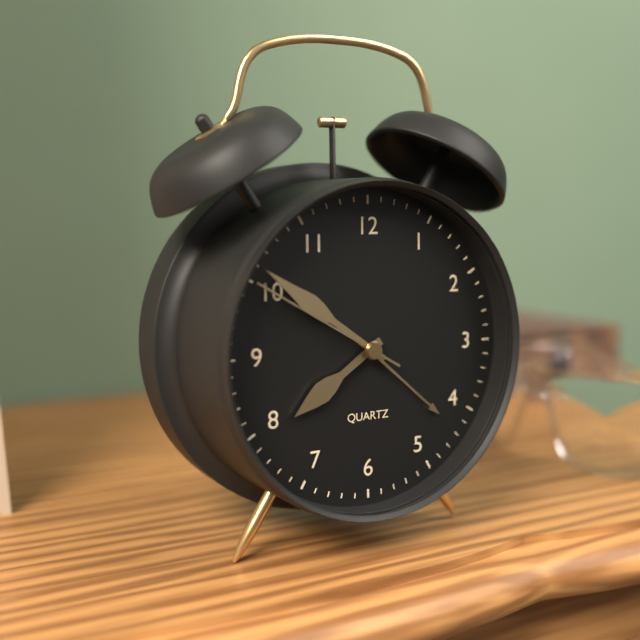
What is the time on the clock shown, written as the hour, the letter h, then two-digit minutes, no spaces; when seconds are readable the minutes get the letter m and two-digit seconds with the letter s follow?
7h51m50s
